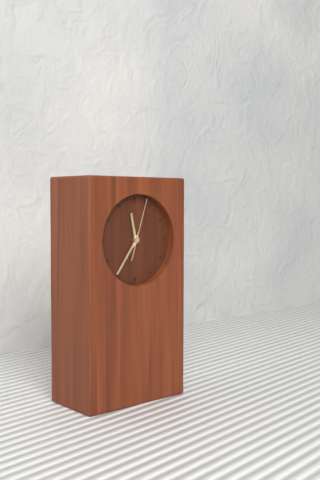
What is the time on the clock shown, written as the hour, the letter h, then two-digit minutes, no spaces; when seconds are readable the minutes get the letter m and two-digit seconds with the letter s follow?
11h36m03s
